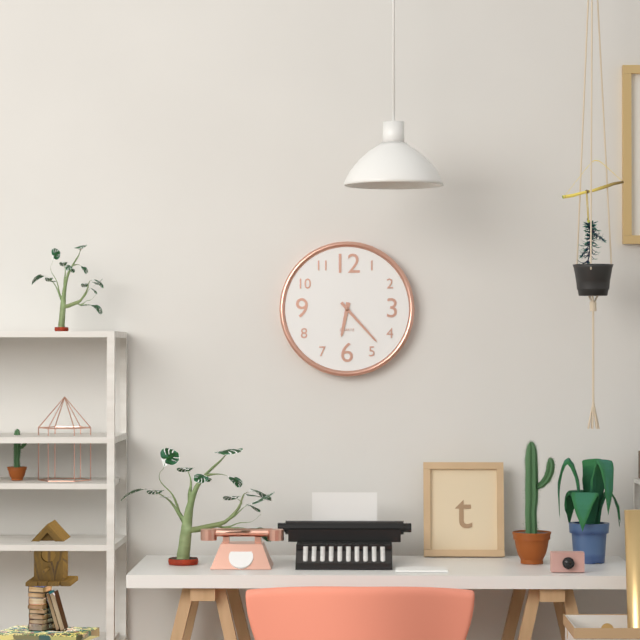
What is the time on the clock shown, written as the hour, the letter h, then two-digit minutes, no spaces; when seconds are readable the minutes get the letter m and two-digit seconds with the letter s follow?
6h23
